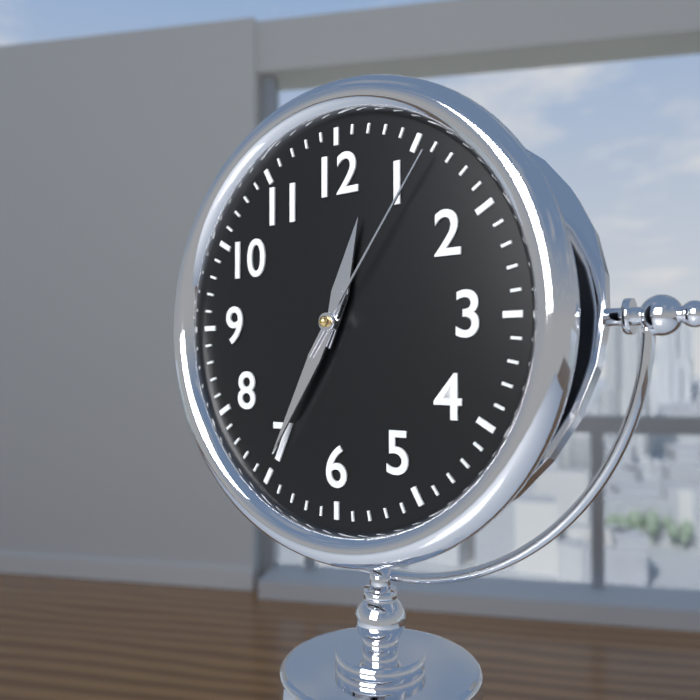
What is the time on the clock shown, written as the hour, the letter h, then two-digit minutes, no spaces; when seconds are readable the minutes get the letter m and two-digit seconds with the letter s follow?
12h35m06s
